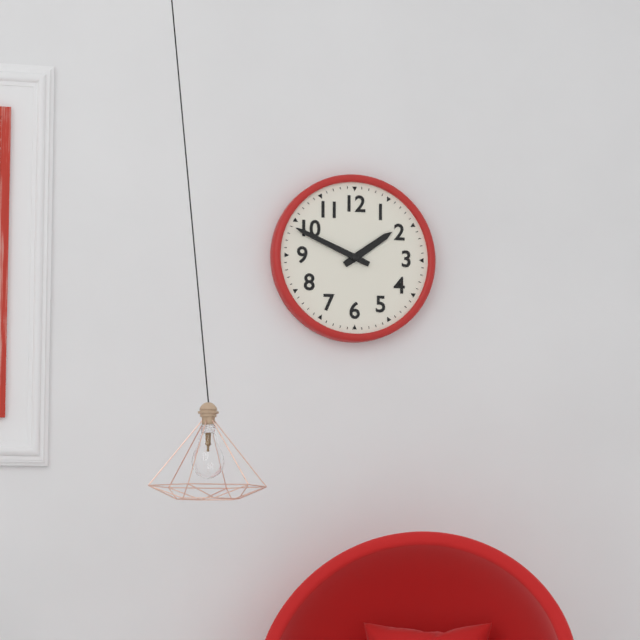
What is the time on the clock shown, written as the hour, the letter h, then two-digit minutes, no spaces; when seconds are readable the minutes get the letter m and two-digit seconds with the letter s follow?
1h49
